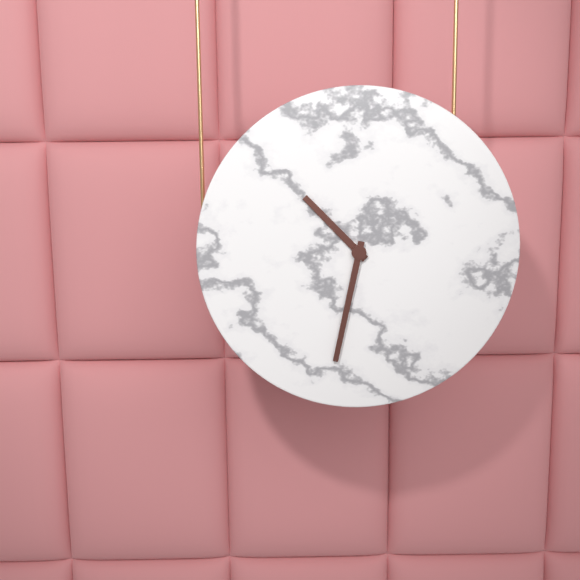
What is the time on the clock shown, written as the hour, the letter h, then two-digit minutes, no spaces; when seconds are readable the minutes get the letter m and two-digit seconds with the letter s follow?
10h32
